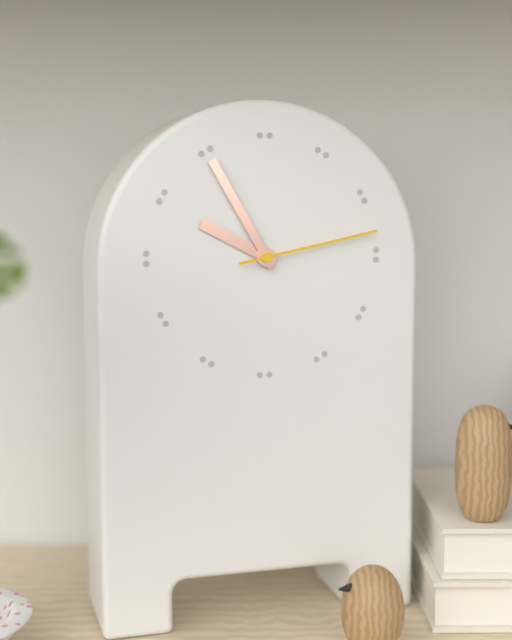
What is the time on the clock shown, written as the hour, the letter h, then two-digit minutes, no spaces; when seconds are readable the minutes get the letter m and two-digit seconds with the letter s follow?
9h55m13s
